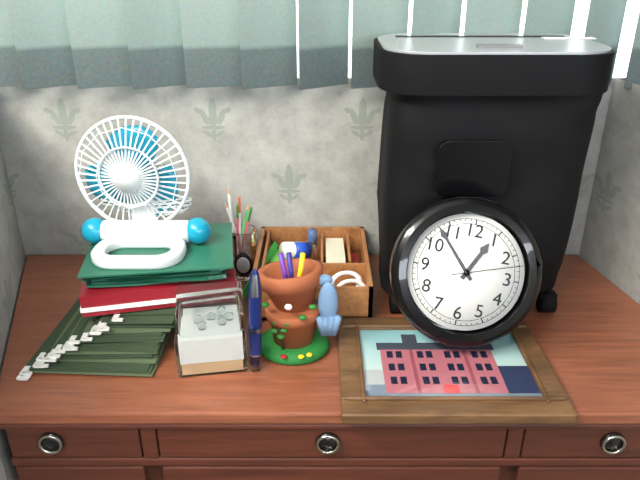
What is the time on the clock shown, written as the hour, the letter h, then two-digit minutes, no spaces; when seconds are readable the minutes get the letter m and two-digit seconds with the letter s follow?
12h53m12s
